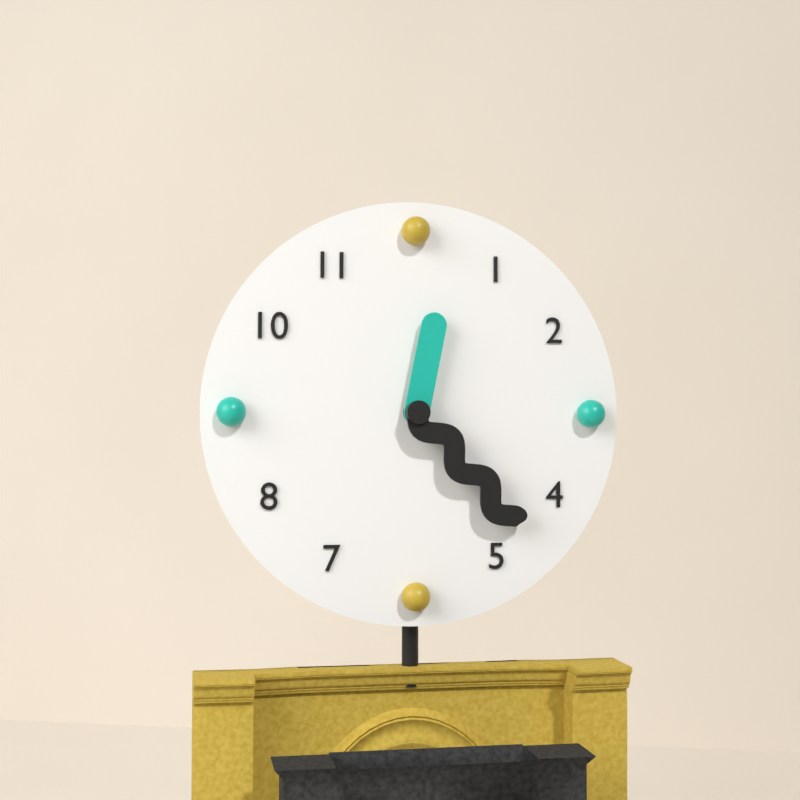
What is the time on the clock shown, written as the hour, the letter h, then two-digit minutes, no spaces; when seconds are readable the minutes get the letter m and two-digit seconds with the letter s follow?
12h23
